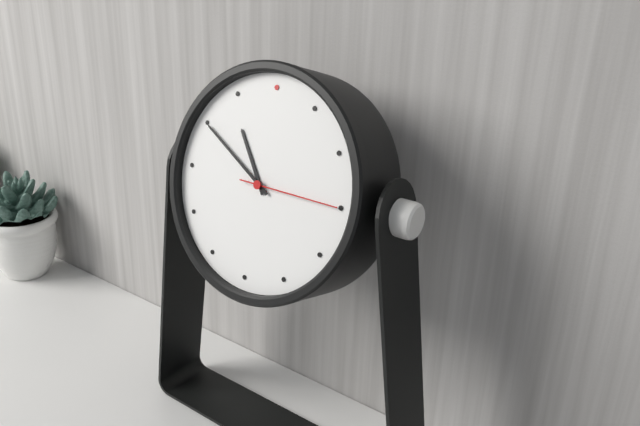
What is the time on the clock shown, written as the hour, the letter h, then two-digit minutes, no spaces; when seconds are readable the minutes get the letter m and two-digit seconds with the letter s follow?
10h50m15s
